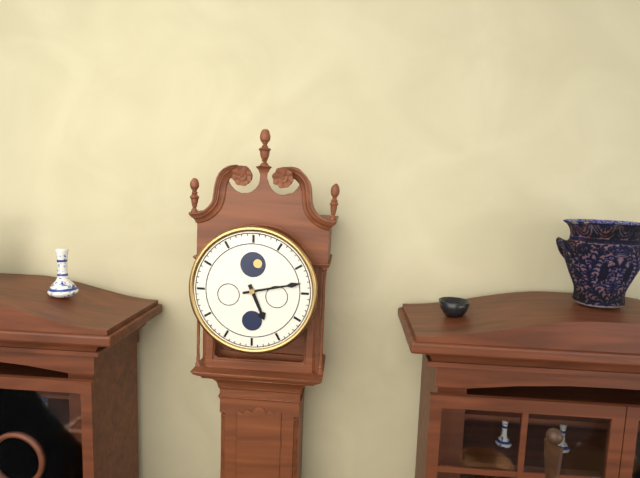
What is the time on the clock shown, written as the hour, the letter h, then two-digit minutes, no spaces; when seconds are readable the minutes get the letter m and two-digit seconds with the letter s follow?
5h13
